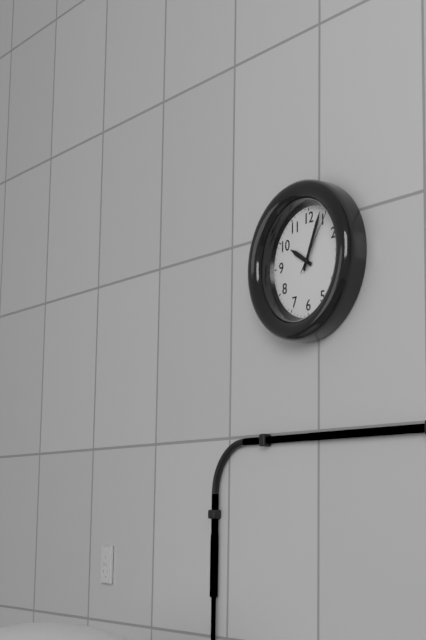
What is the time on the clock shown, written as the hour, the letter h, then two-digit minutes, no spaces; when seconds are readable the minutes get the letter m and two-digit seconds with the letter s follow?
10h04m06s
